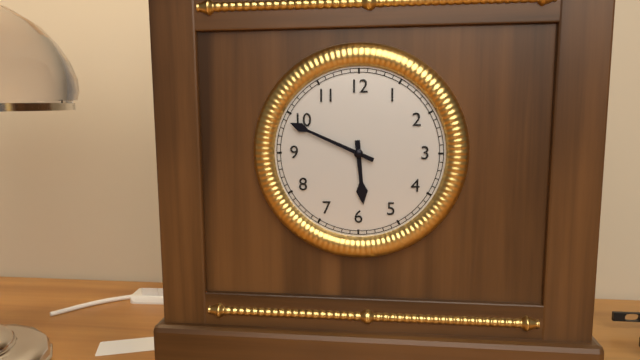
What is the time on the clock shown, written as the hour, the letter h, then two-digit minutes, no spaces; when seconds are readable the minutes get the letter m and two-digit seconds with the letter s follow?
5h49
